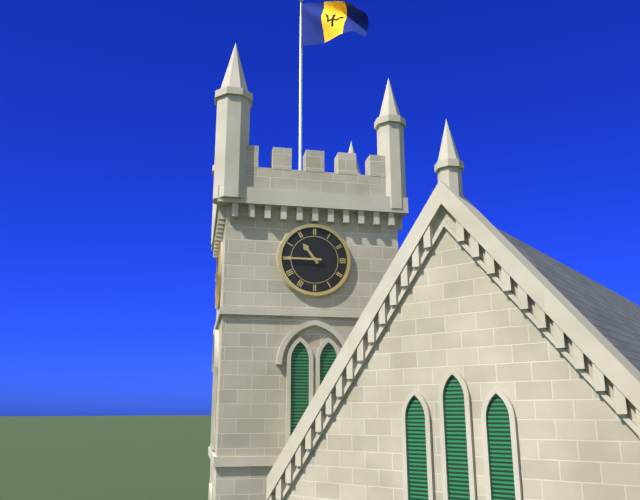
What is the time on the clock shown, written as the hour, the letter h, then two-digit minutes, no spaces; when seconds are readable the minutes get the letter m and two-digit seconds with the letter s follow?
10h45
